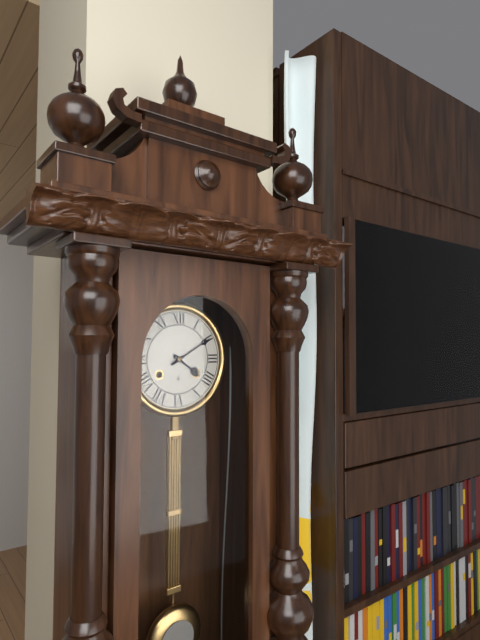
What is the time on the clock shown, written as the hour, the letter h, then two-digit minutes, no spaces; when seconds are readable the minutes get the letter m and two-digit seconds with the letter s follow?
4h10
